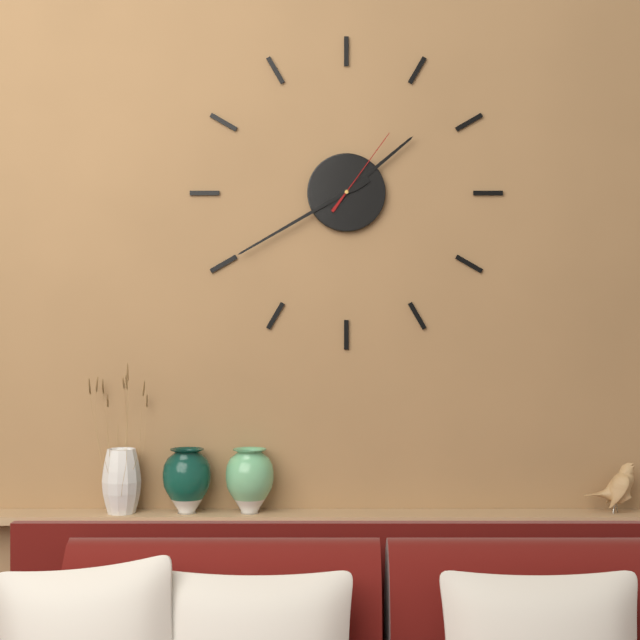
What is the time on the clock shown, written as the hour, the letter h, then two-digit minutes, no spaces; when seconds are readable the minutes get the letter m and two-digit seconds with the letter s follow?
1h40m06s
